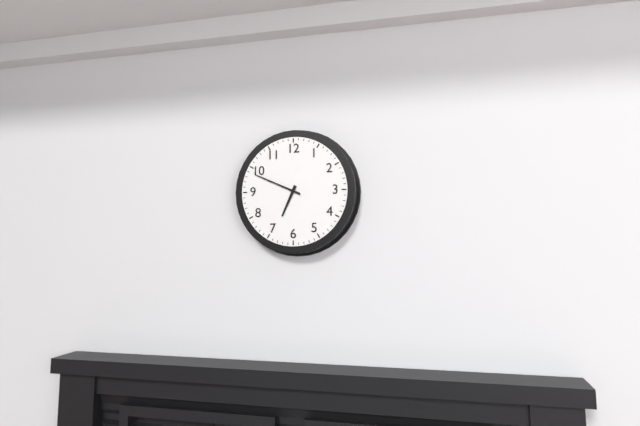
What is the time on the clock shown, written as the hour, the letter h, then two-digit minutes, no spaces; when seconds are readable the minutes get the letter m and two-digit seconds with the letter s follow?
6h49
